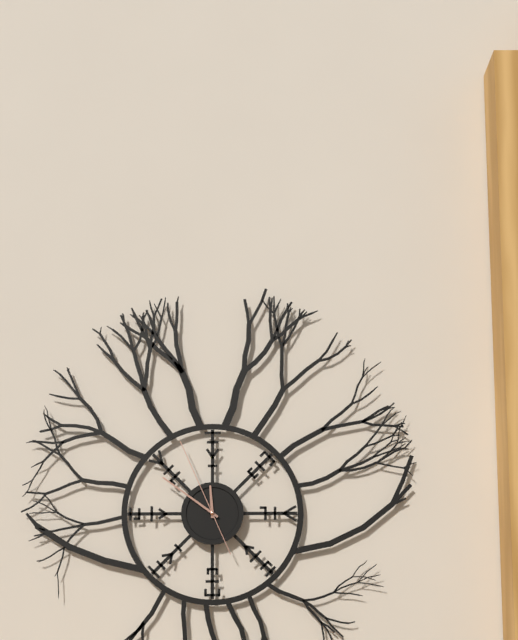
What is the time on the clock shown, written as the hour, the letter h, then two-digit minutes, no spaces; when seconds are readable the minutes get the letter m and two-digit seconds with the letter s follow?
11h51m56s
